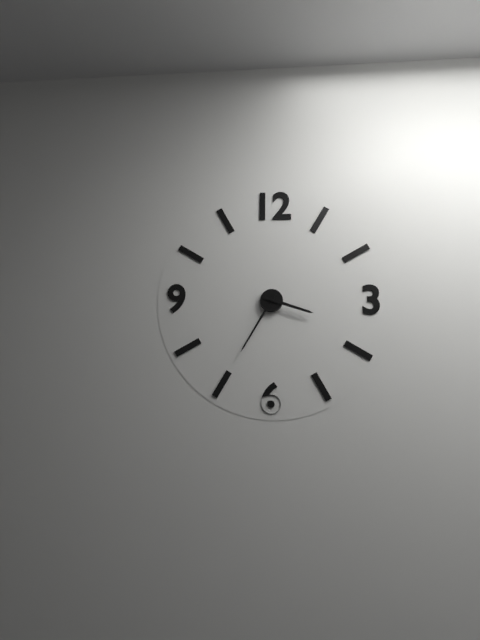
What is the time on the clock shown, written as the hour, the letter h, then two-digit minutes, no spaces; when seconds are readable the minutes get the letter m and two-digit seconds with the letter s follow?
3h35
